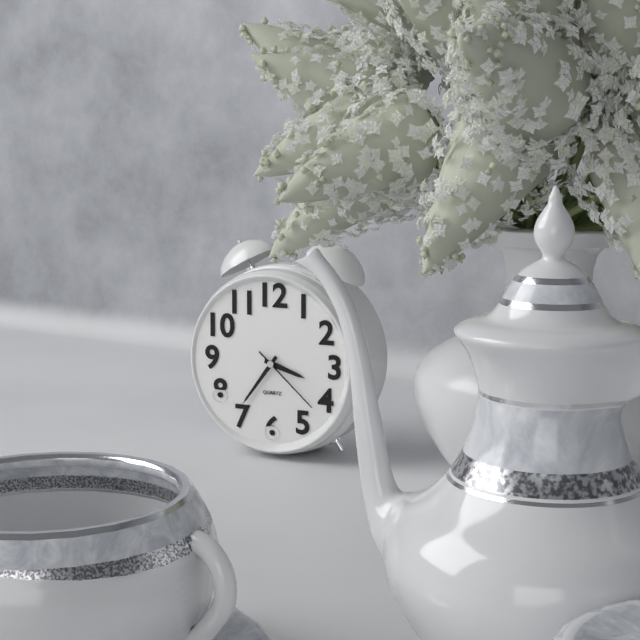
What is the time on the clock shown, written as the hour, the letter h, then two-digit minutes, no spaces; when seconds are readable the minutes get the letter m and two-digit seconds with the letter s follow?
3h36m22s
